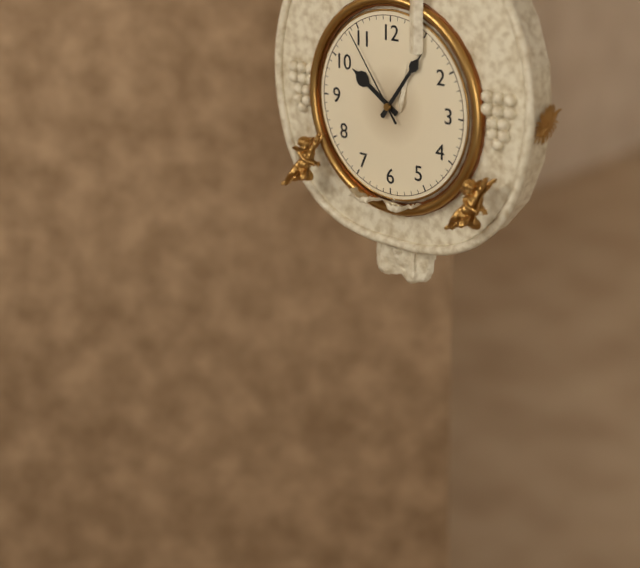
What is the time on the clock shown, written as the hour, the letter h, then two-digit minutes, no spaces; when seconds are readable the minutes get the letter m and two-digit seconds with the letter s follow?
10h06m54s
